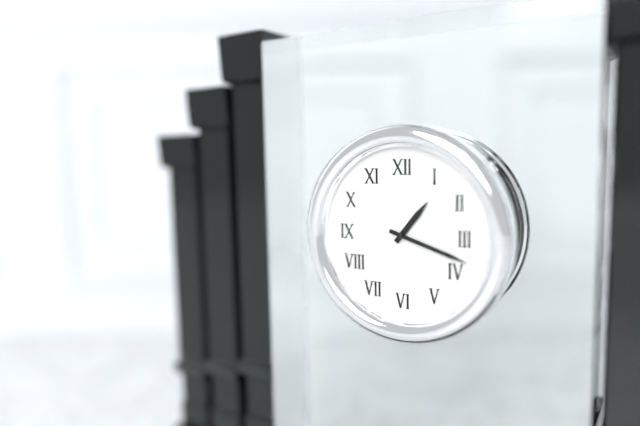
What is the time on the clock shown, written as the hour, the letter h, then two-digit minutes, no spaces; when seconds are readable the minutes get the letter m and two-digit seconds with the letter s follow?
1h18
